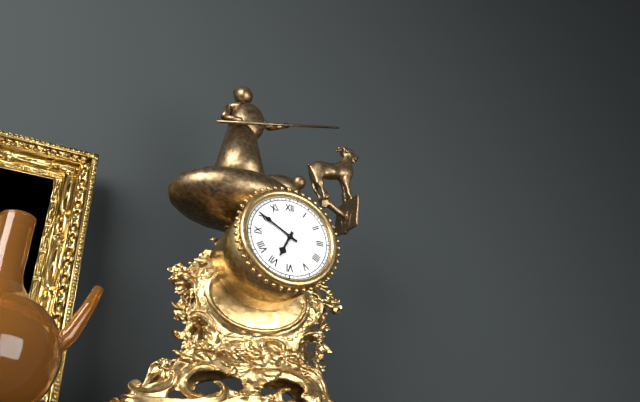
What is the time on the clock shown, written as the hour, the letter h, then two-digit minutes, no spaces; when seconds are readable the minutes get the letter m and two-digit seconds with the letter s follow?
6h50
